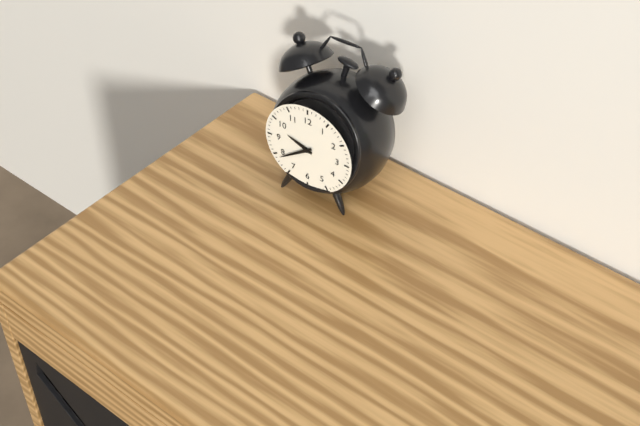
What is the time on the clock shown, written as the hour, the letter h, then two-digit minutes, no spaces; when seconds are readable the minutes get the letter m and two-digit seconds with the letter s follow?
9h39
